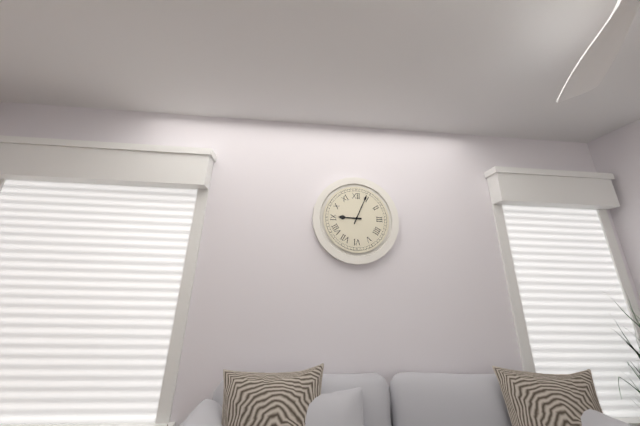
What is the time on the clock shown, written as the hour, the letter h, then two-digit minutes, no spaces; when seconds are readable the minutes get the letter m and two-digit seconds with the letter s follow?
9h04
